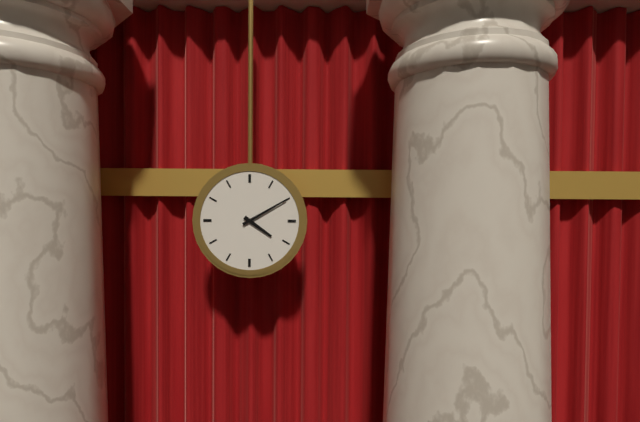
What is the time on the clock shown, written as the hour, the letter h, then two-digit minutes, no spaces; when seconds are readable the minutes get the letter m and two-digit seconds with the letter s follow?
4h10
